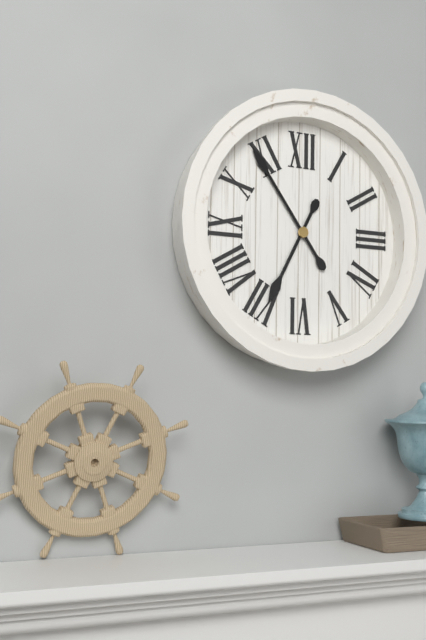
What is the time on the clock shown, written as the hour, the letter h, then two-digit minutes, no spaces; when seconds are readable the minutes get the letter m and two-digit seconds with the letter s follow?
6h54
